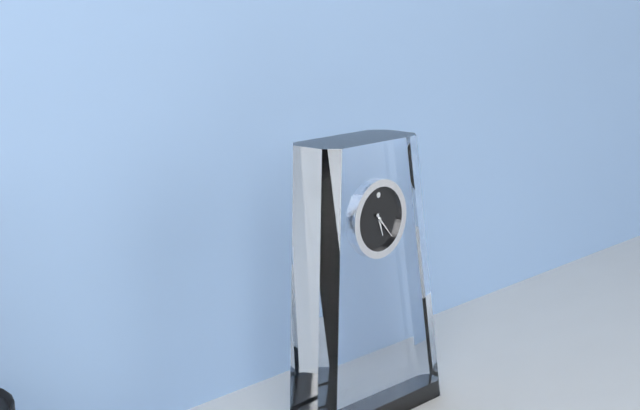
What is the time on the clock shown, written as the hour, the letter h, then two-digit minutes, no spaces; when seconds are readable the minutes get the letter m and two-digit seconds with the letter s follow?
5h23
